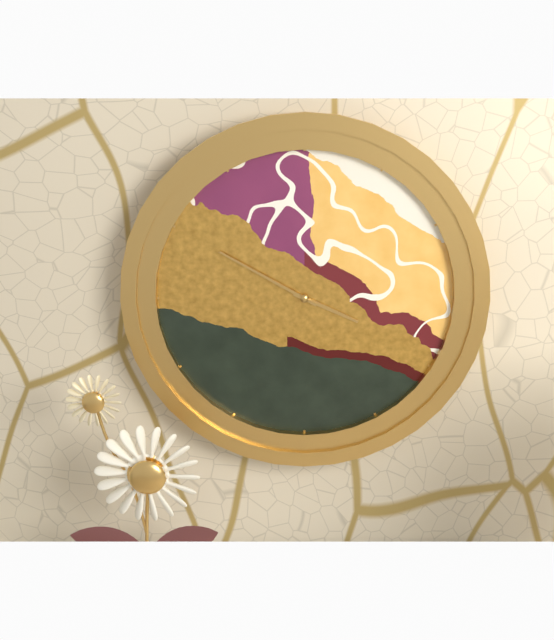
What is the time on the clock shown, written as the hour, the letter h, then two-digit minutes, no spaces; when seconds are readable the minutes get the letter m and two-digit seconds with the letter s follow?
3h50
